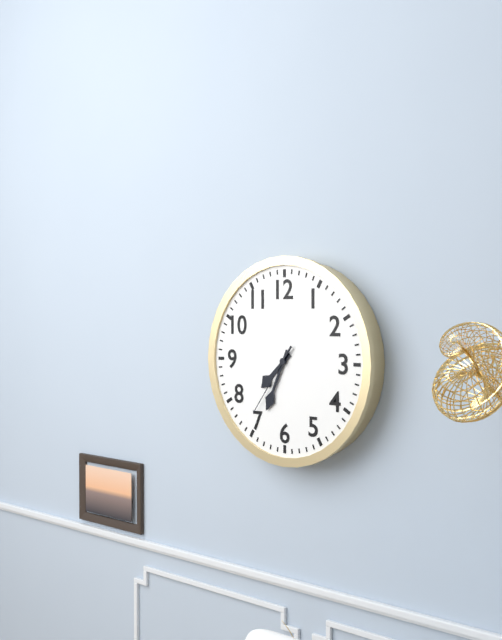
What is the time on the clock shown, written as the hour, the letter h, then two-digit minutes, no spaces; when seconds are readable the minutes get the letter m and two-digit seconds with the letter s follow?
7h34m36s
